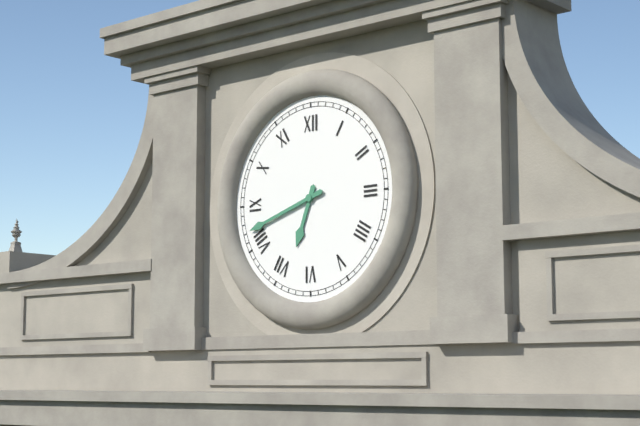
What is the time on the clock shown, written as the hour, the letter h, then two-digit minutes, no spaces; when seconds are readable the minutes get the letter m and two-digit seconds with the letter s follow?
6h42
